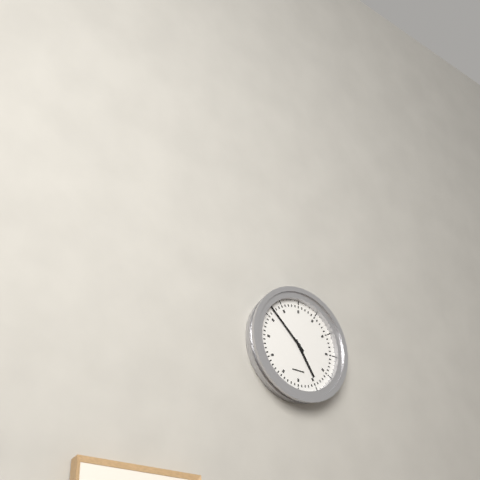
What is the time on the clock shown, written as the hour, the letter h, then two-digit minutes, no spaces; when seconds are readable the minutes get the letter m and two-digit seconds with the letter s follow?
4h52
